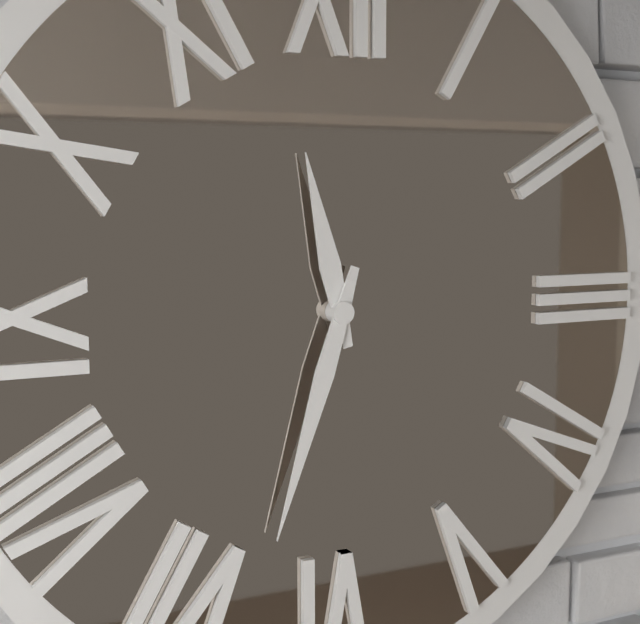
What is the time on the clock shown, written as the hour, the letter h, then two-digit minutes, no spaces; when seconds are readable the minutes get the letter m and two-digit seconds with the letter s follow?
11h33
